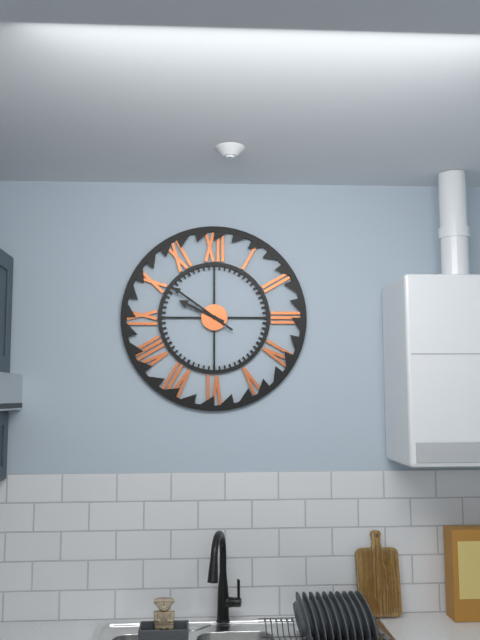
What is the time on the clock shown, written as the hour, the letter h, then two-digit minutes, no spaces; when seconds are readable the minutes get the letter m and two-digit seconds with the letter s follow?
9h51
